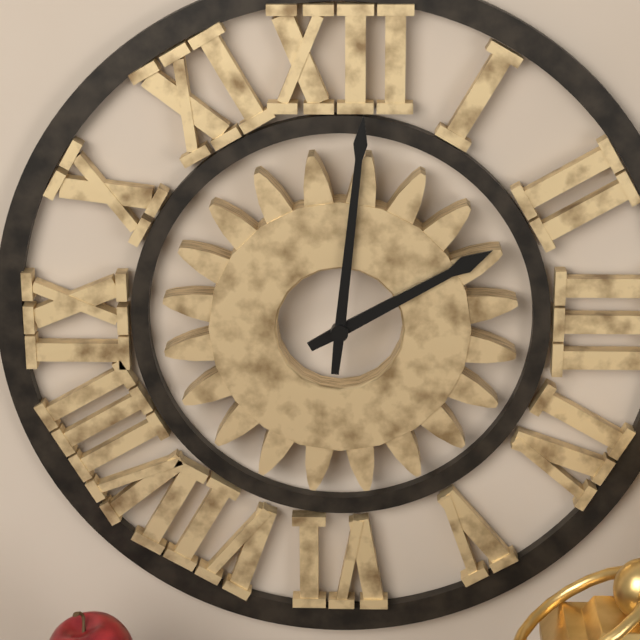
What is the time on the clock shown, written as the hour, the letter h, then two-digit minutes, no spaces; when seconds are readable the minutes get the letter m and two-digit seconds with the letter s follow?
2h01
